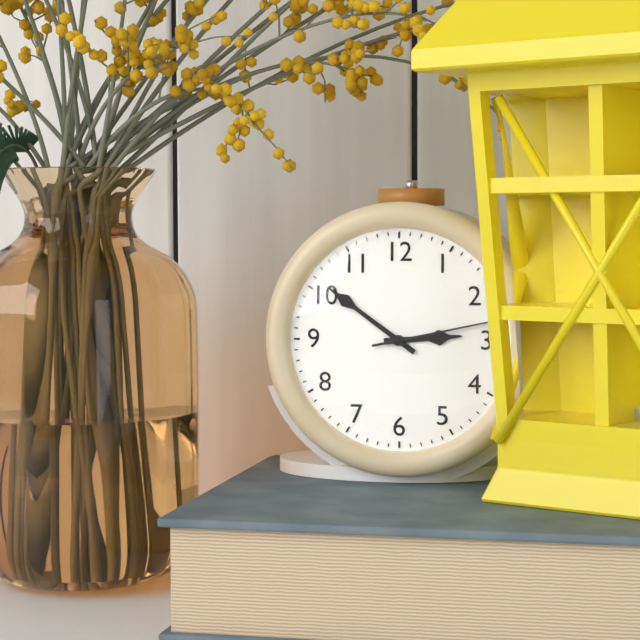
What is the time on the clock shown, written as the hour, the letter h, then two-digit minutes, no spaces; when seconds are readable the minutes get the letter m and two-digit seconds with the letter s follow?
2h51m13s
